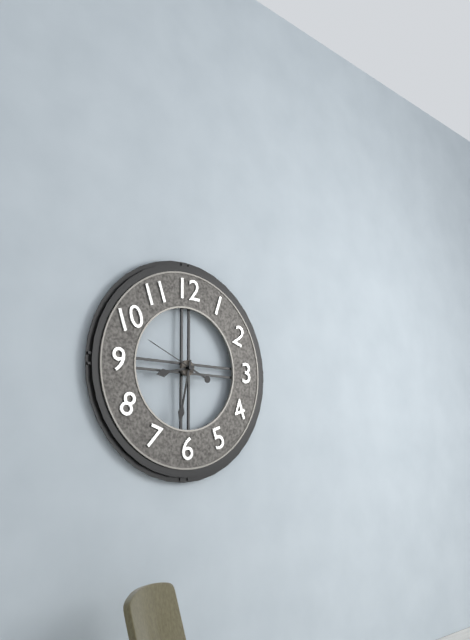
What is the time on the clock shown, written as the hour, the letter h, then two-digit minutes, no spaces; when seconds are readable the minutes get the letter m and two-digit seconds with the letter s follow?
8h32m49s
